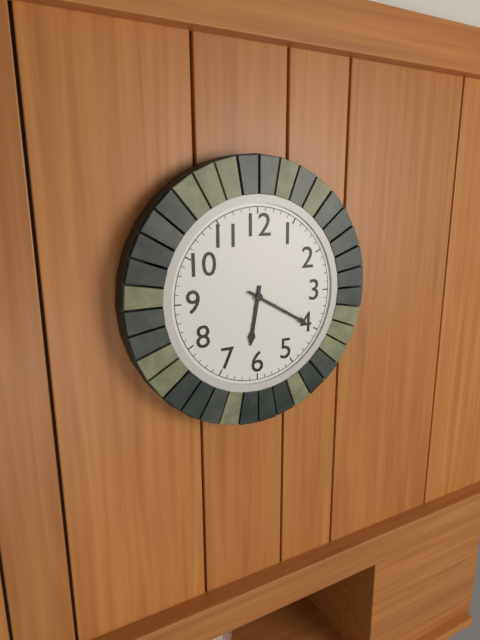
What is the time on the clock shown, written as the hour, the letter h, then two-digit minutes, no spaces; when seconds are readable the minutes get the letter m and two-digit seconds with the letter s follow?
6h20
